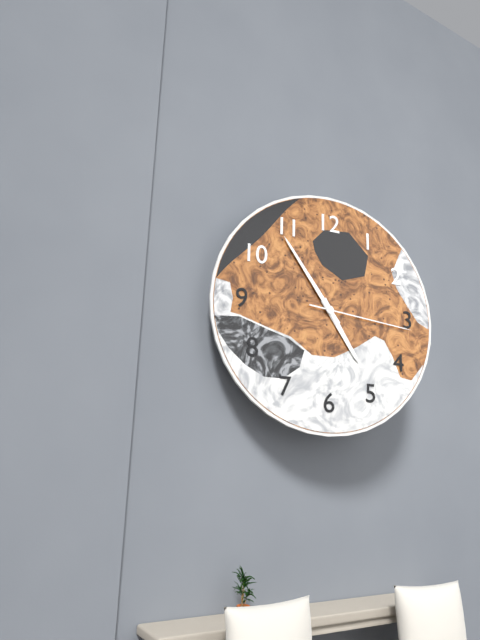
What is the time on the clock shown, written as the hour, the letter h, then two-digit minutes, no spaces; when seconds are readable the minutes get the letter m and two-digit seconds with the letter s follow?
4h54m16s
